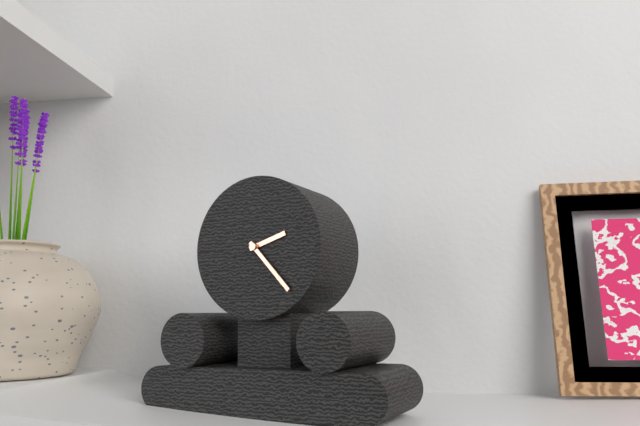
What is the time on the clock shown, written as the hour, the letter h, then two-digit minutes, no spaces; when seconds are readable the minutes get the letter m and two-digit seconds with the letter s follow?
2h23
